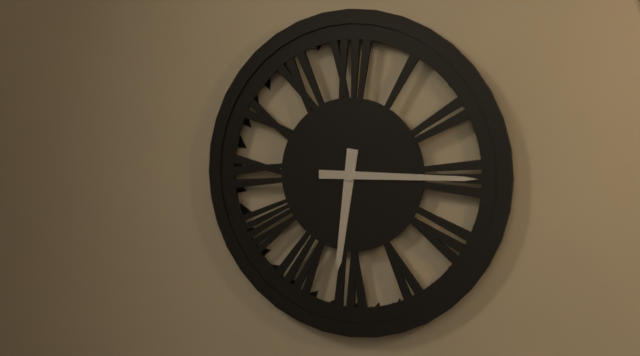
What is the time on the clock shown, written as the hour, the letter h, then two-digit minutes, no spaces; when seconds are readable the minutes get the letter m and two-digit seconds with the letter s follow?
6h15
